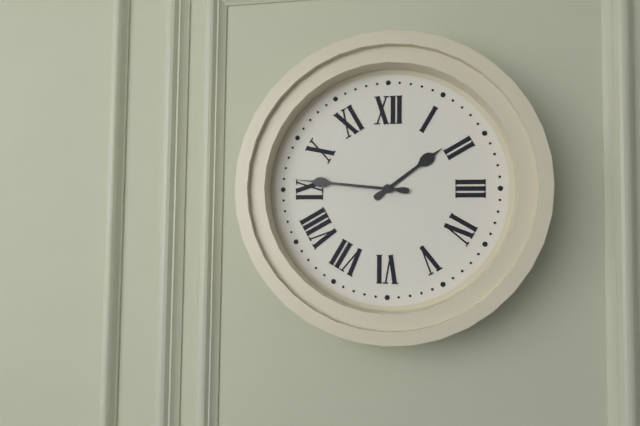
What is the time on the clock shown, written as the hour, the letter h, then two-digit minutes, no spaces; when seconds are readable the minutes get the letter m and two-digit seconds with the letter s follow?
1h46
